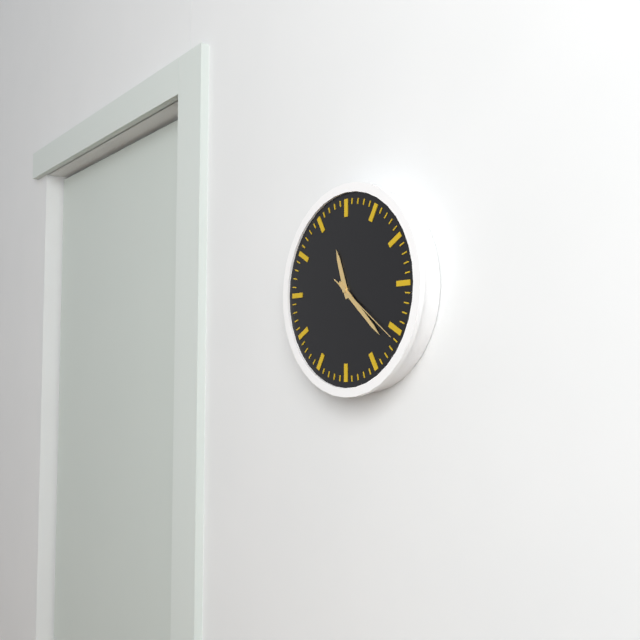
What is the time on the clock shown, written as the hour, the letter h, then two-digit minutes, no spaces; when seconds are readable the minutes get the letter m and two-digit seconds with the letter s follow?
11h22m21s
